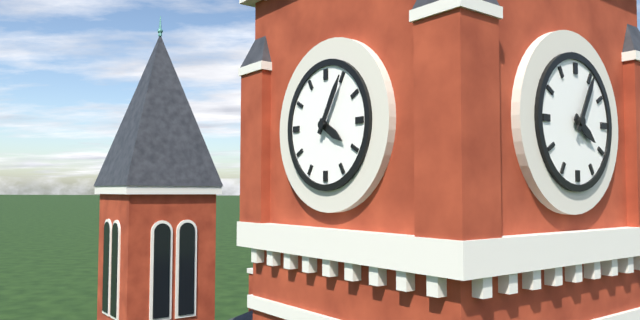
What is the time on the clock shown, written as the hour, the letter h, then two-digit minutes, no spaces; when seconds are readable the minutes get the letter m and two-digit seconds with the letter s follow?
4h05
